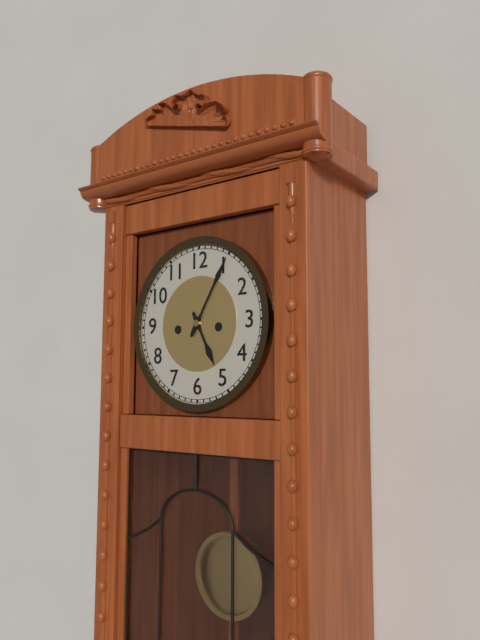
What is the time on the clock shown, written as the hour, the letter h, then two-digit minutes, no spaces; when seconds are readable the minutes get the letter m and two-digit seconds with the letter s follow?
5h05
